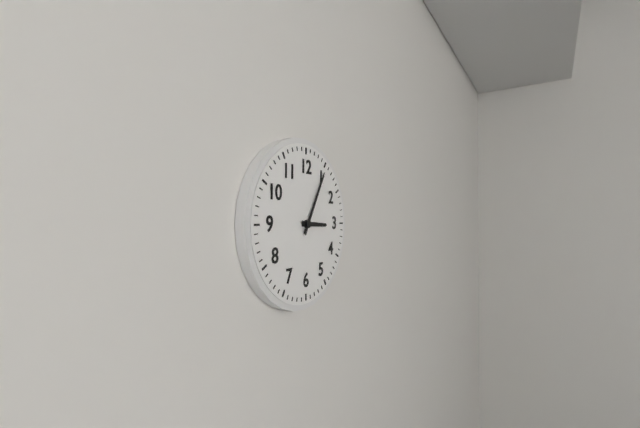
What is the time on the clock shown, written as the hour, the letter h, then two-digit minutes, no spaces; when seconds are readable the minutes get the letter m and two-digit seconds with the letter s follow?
3h05
